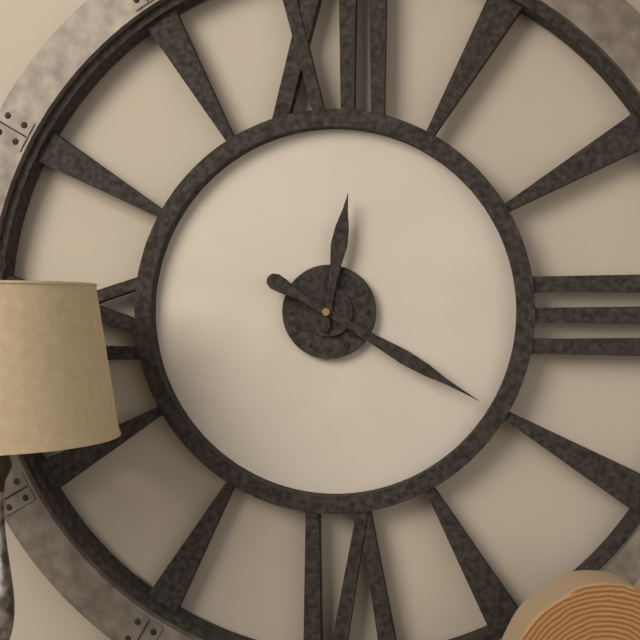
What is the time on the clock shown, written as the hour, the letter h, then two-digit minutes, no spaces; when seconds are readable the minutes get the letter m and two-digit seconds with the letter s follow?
12h20
